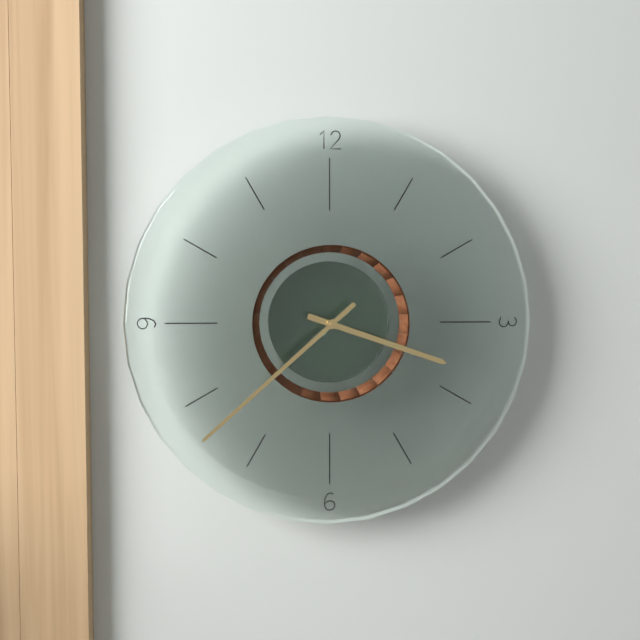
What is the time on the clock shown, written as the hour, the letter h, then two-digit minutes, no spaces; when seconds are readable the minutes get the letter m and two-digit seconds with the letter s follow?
3h38
